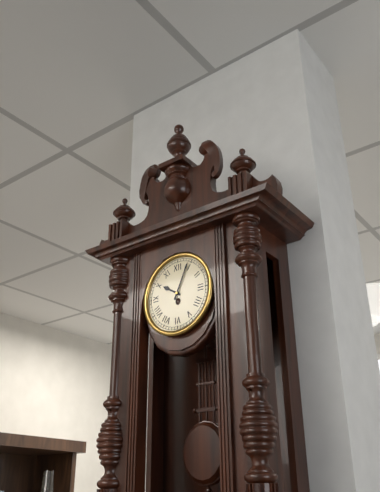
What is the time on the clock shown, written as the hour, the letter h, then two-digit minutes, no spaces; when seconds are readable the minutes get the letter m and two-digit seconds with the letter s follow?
10h04
